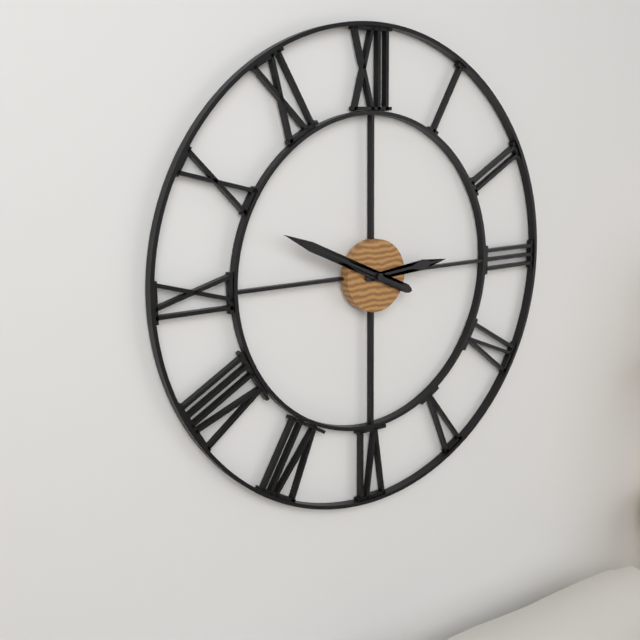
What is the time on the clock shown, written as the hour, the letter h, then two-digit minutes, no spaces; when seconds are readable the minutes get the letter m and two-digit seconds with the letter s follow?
2h49
